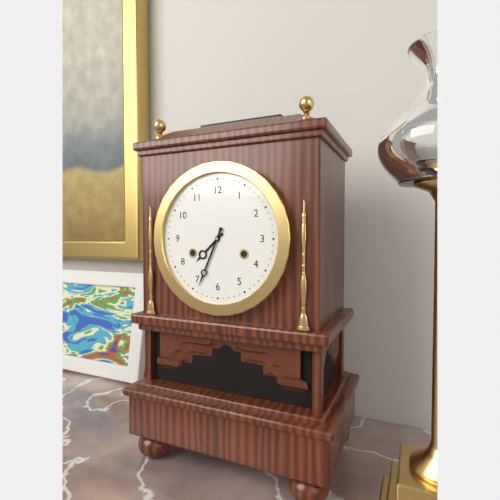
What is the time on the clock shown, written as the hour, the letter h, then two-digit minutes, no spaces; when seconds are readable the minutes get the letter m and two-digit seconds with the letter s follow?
7h34
